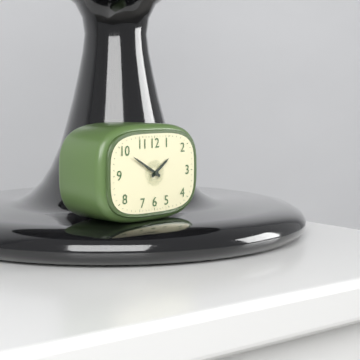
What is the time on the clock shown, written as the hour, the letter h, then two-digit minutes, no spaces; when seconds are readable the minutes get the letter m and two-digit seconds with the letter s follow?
1h50
